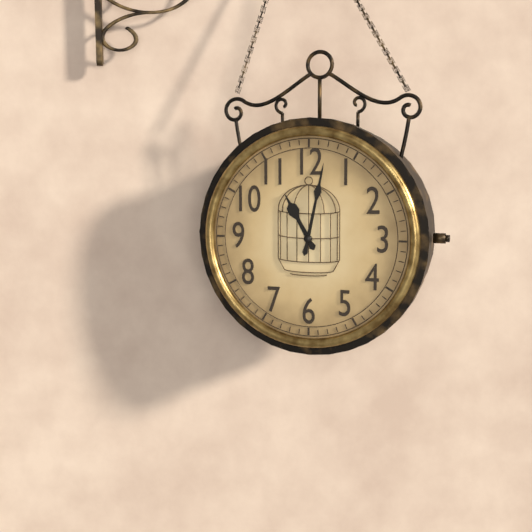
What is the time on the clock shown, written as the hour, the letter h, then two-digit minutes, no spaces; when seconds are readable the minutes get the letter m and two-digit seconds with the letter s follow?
11h02
